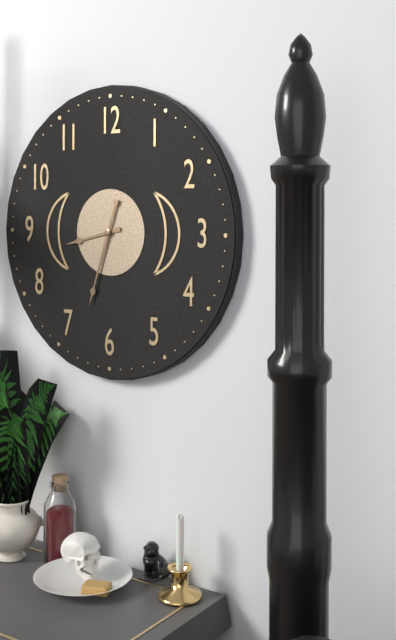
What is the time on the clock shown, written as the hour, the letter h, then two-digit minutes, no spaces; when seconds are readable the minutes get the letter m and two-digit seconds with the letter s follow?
8h33
